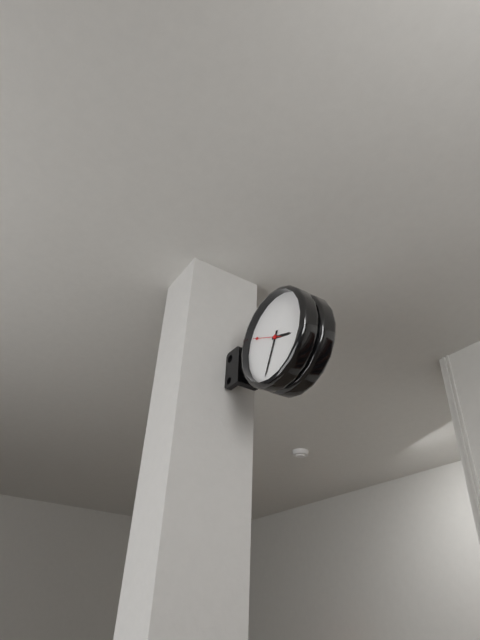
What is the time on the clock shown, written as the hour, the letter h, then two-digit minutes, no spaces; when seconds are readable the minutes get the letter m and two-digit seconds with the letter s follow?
3h34
